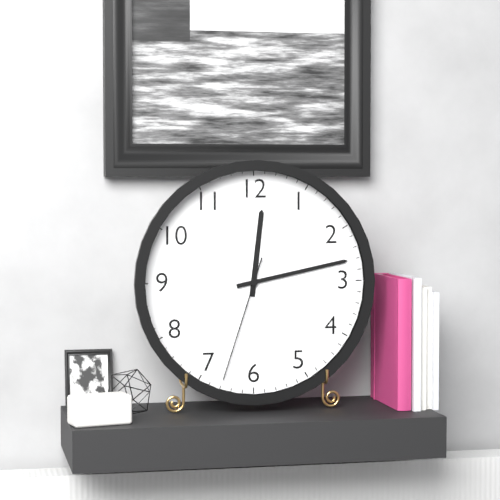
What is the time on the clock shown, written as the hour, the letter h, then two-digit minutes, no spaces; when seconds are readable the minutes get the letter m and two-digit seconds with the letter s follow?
12h13m33s
